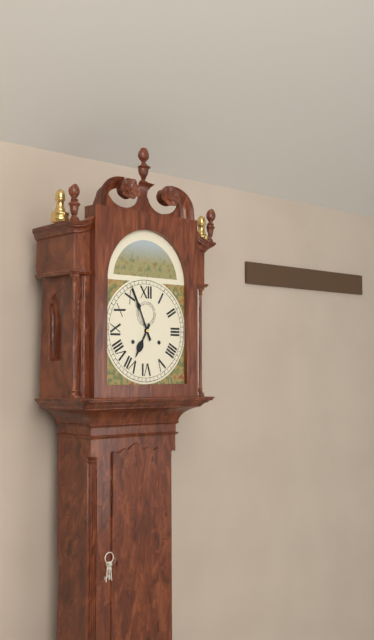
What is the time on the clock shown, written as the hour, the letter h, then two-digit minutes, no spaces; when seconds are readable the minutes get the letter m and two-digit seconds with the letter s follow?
6h56
